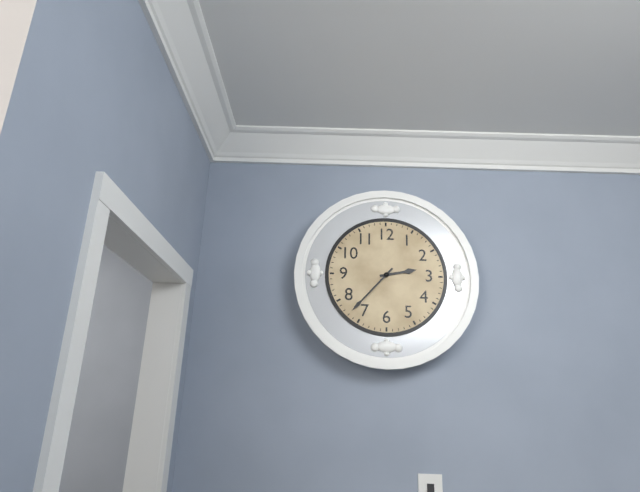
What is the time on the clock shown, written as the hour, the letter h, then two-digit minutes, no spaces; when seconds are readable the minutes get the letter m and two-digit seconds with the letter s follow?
2h37
